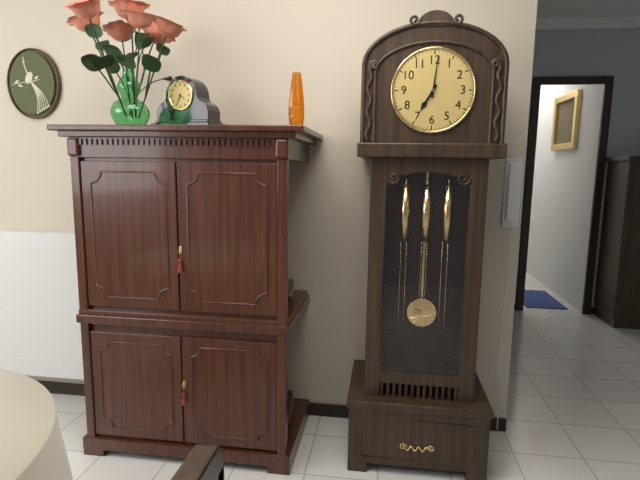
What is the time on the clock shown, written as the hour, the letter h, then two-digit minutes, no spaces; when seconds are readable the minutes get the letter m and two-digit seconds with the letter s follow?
7h01
